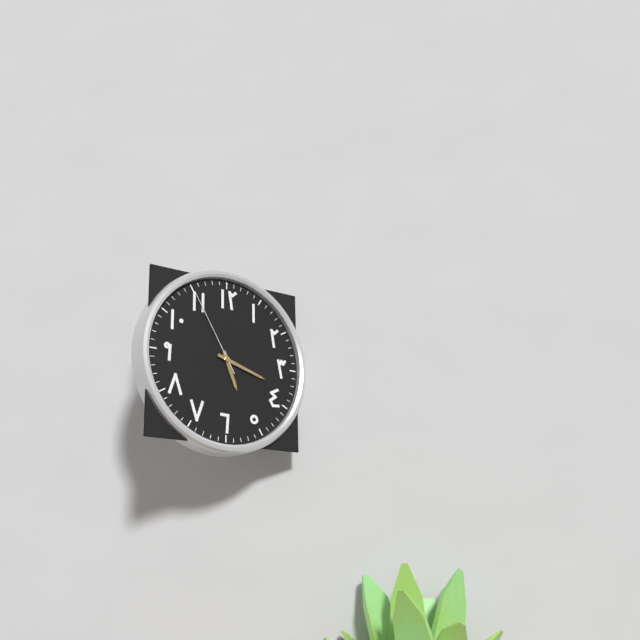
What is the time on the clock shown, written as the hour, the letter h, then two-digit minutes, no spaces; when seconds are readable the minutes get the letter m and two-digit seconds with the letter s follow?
5h18m55s
